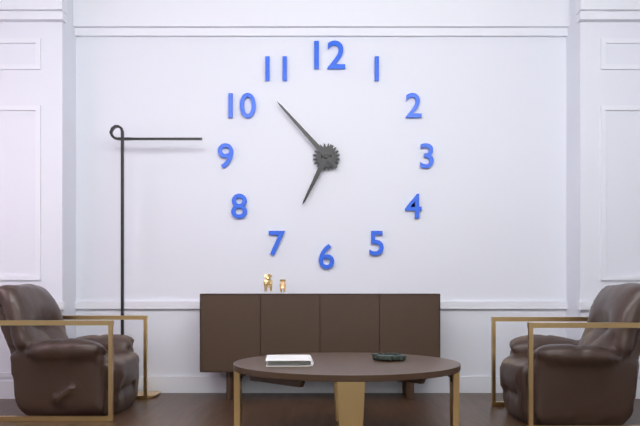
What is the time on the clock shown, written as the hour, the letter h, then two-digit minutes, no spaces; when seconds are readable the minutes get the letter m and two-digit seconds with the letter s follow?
6h53
